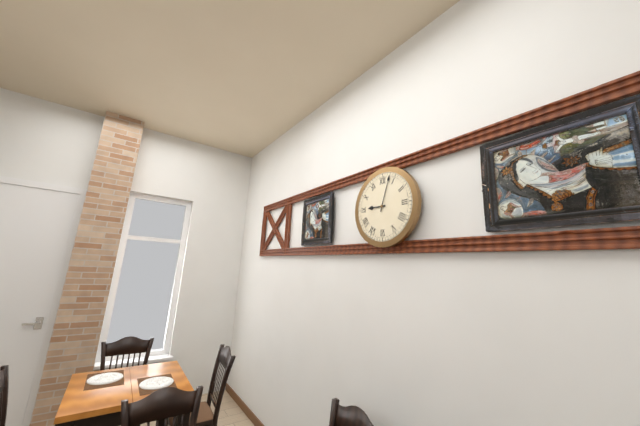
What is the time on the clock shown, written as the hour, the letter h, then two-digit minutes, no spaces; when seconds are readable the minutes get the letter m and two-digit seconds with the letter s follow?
9h03
